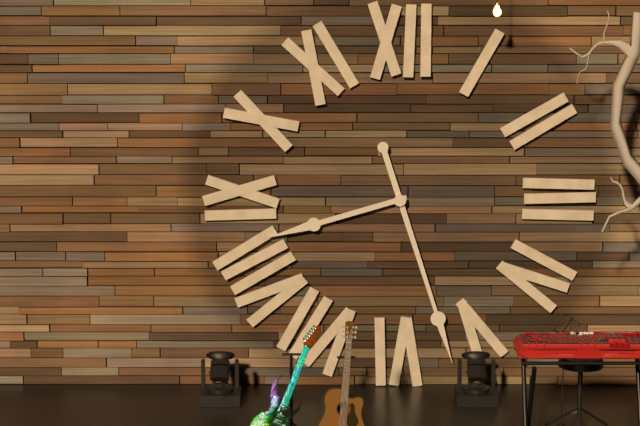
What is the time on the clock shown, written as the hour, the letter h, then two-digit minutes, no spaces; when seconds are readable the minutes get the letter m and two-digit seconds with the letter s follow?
8h27
